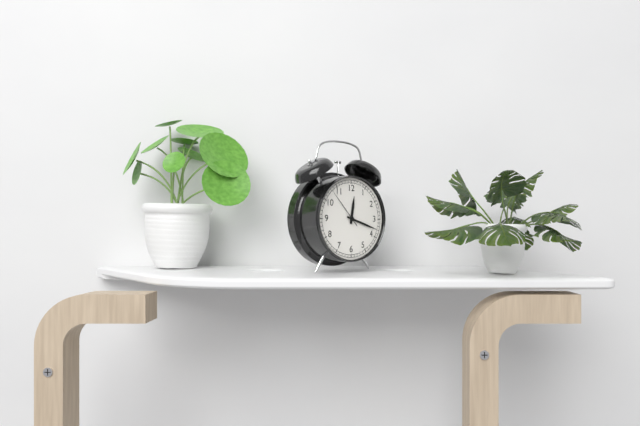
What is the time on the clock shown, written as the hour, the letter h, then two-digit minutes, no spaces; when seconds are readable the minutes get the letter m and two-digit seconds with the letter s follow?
12h18
